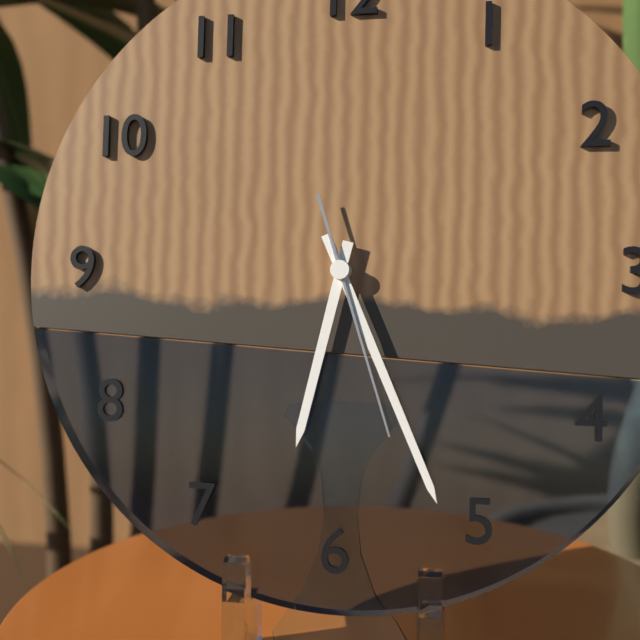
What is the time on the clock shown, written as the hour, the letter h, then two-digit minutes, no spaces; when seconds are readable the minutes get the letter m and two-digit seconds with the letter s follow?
6h26m27s
